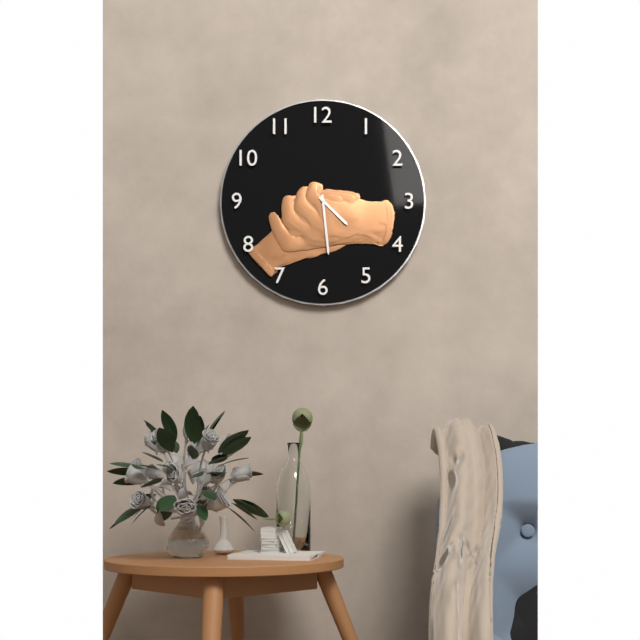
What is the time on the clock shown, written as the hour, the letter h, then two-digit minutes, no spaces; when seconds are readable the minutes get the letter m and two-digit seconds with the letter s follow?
4h29
